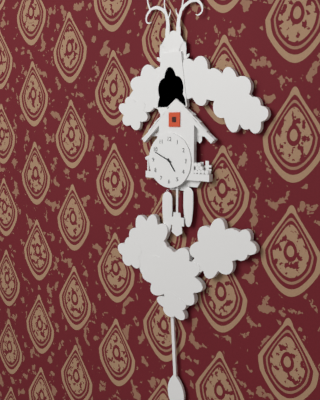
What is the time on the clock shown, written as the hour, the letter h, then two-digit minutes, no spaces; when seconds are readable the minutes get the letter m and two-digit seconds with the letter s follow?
4h49
